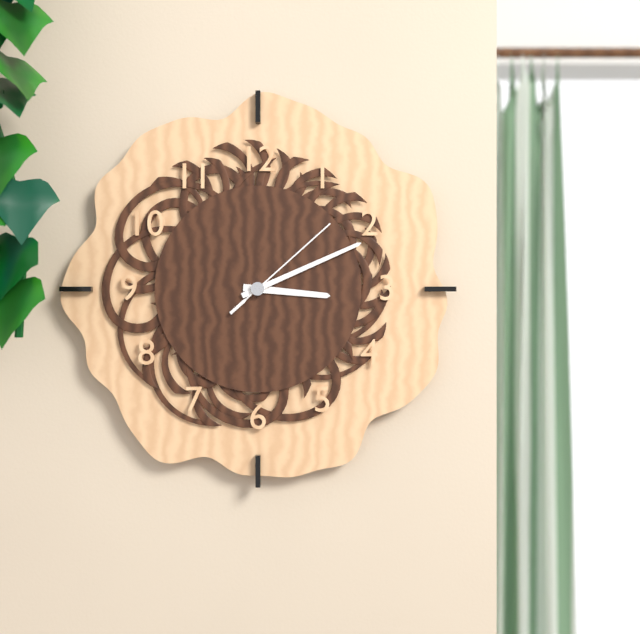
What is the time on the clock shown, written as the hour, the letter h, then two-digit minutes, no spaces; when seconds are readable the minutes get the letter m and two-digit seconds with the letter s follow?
3h11m08s
